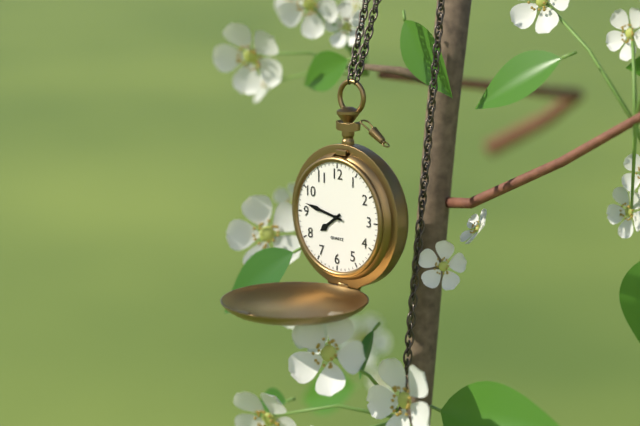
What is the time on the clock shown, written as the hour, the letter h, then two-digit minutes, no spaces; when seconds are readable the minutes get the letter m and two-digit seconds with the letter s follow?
7h47
